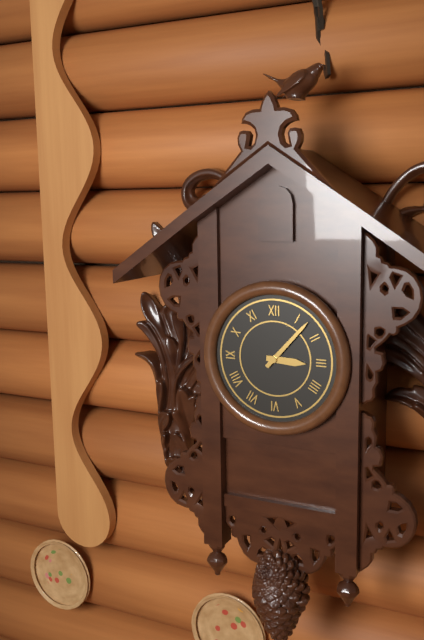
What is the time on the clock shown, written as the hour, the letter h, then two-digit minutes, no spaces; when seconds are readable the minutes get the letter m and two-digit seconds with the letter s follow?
3h07
